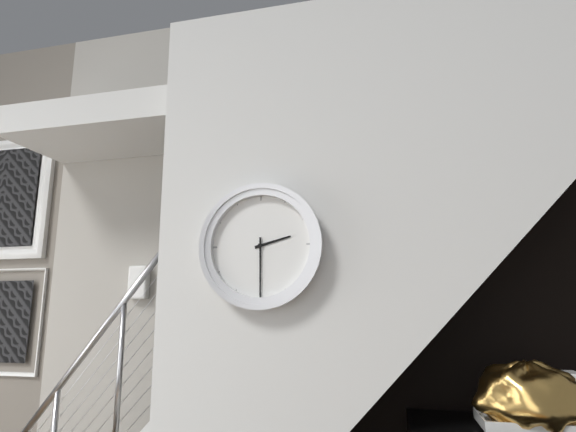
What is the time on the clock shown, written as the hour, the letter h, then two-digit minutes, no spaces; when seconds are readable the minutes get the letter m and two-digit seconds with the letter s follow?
2h30
